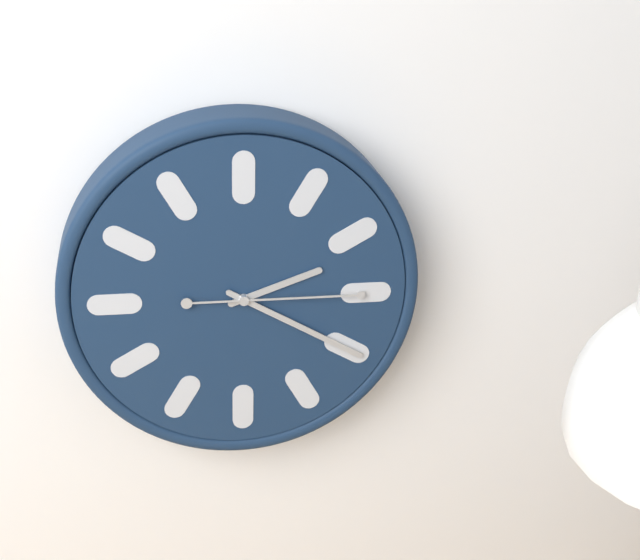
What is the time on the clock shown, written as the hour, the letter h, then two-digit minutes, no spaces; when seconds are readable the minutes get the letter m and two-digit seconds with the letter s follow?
2h20m15s
